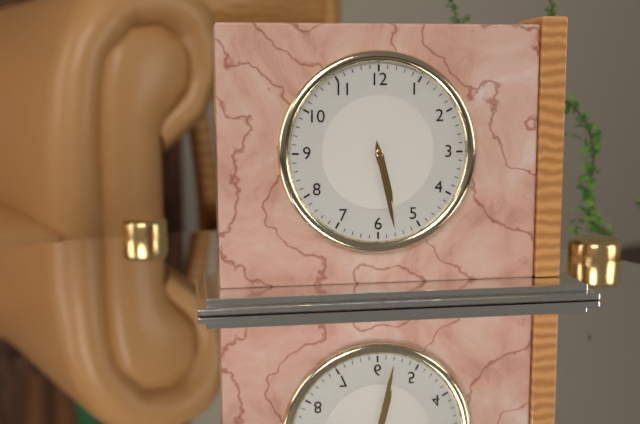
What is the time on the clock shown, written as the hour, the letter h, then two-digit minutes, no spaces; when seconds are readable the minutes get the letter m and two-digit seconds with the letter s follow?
5h28
